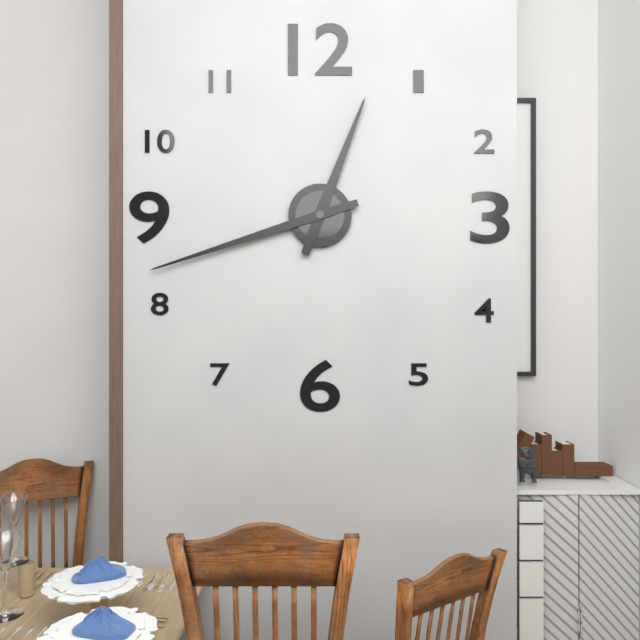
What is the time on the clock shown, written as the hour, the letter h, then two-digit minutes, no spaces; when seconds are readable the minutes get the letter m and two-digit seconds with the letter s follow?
12h42
